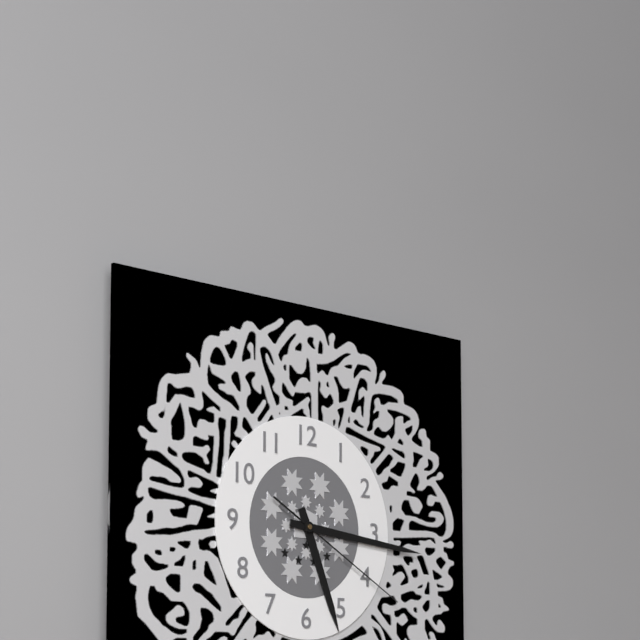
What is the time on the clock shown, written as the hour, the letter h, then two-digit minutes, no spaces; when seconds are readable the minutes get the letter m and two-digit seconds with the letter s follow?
5h16m20s
